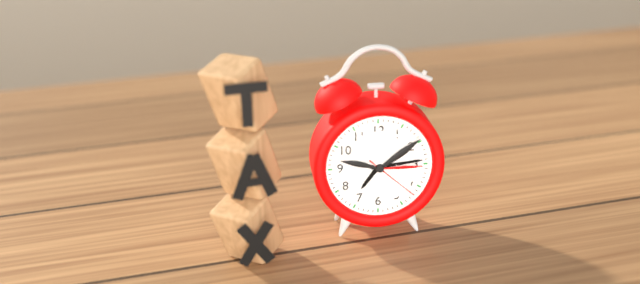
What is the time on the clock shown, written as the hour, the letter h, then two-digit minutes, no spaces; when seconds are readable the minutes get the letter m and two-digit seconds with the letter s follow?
7h14m22s
